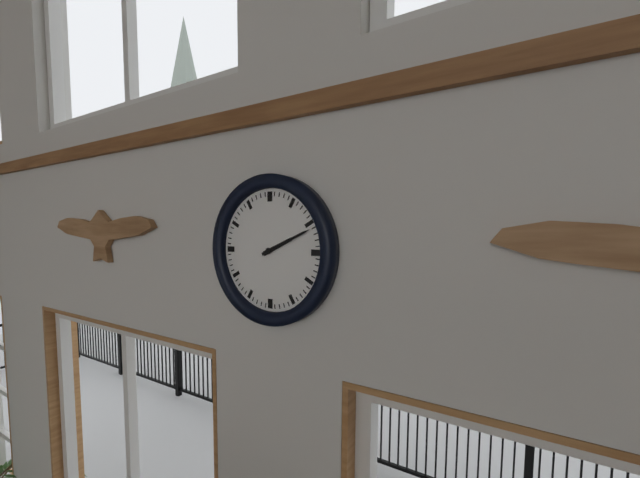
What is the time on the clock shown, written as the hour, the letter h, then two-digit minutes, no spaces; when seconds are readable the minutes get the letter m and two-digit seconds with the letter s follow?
2h11
